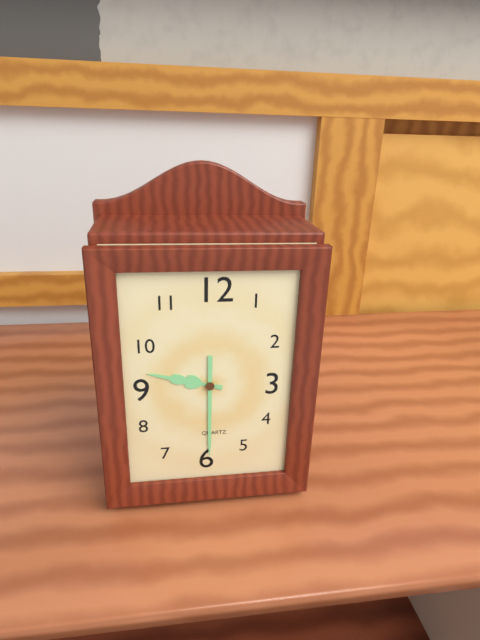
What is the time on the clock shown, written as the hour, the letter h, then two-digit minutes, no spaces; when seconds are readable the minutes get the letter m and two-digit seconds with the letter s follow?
9h30
